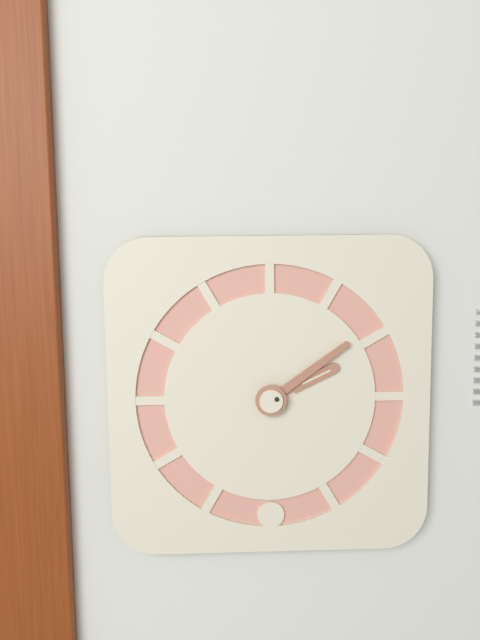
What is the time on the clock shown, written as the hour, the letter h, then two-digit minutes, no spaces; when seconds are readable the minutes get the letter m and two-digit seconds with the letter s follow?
2h09
